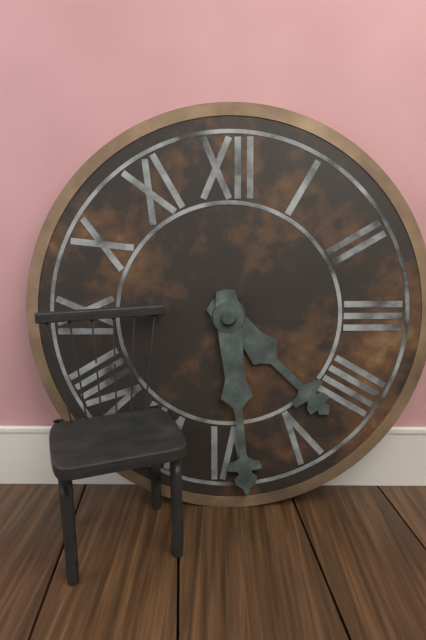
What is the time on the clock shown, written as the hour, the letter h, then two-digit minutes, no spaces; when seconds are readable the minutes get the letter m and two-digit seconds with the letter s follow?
4h29
